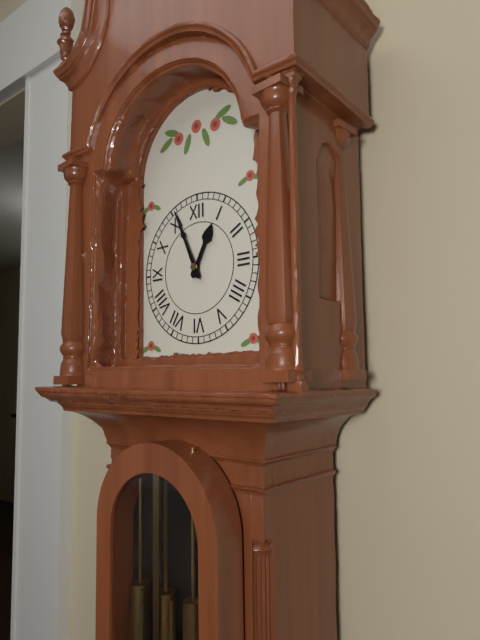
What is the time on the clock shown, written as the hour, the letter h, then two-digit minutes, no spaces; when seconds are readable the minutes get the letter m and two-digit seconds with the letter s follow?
12h56
